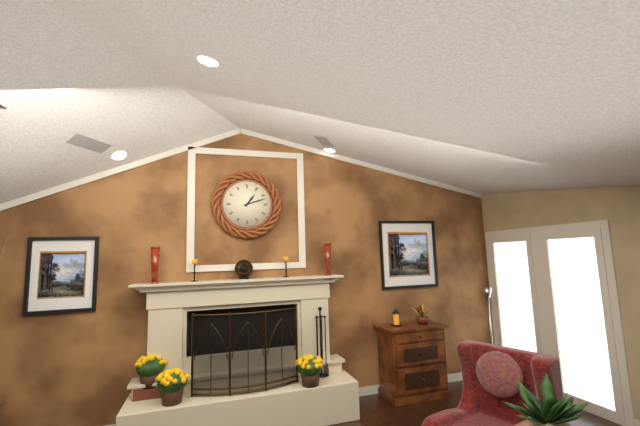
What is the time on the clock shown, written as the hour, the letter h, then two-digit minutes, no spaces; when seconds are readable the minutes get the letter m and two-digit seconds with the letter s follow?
1h12
